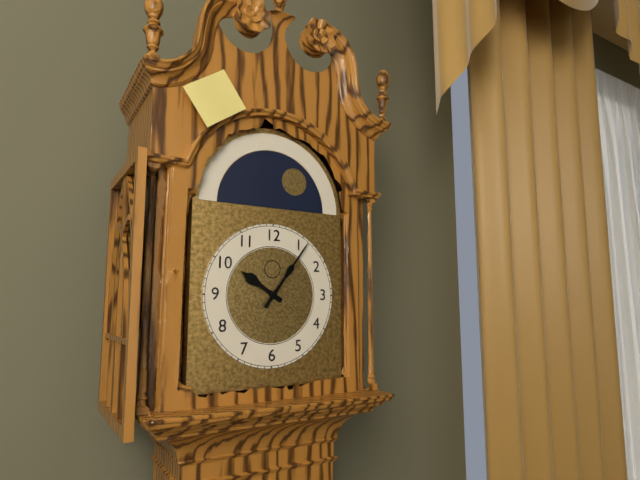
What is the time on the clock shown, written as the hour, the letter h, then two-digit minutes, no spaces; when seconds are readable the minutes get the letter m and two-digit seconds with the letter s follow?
10h06
